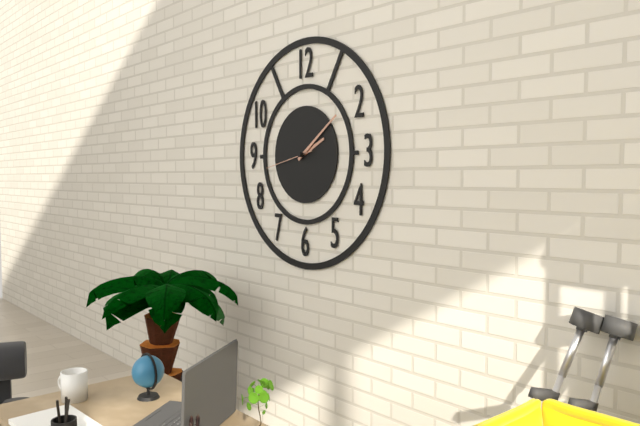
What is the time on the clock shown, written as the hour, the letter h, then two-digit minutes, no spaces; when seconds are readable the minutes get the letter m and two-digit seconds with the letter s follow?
2h09m43s
